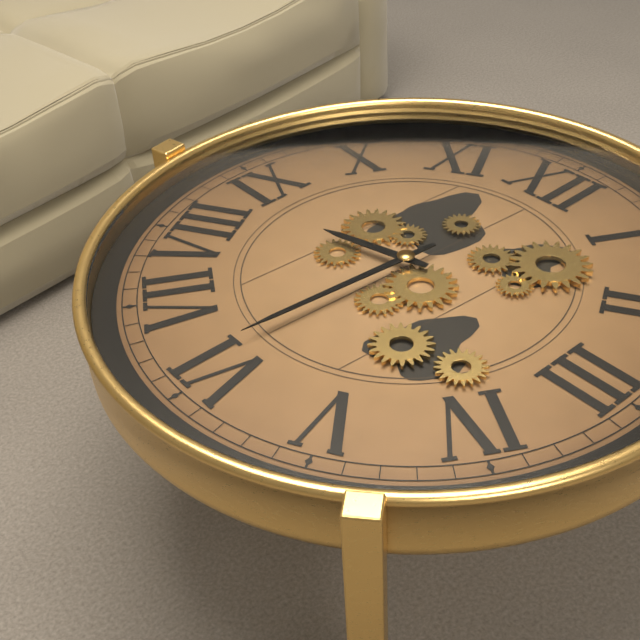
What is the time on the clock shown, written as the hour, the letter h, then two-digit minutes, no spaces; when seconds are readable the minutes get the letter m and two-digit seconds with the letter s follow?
8h31
